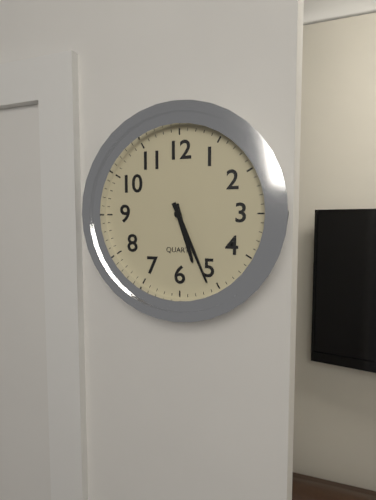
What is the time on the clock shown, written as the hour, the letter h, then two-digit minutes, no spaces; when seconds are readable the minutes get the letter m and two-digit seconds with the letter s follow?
5h26
